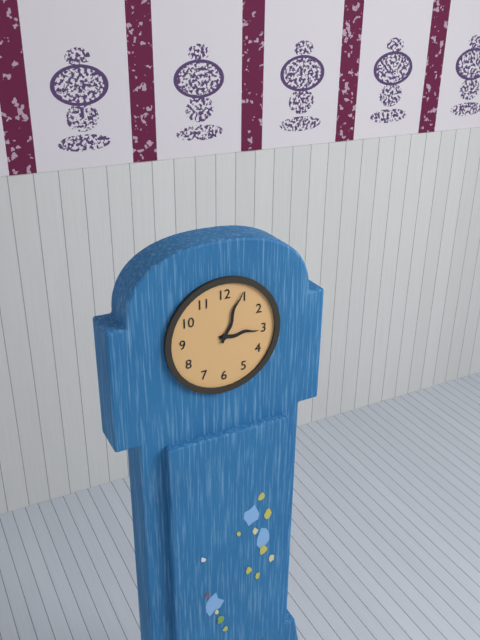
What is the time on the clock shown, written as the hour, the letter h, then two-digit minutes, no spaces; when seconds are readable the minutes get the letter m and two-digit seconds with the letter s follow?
3h04
